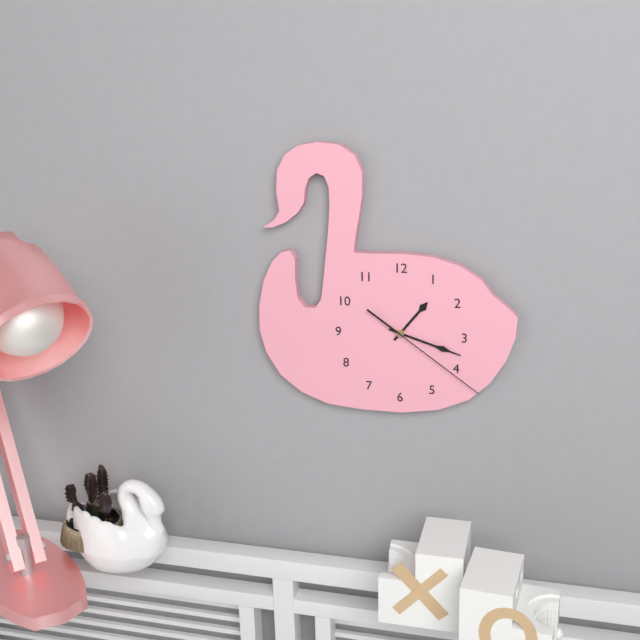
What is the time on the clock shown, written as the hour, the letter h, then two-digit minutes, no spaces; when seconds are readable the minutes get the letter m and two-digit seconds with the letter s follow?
1h18m21s
